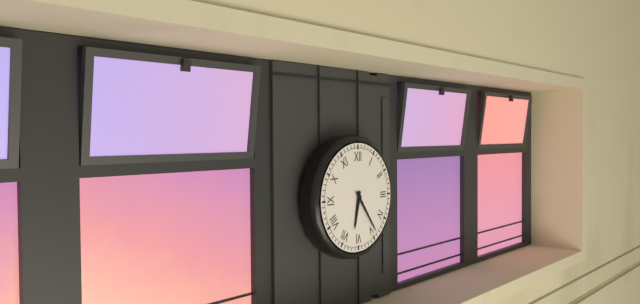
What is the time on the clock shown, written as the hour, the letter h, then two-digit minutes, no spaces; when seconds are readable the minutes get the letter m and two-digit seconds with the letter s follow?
6h24
